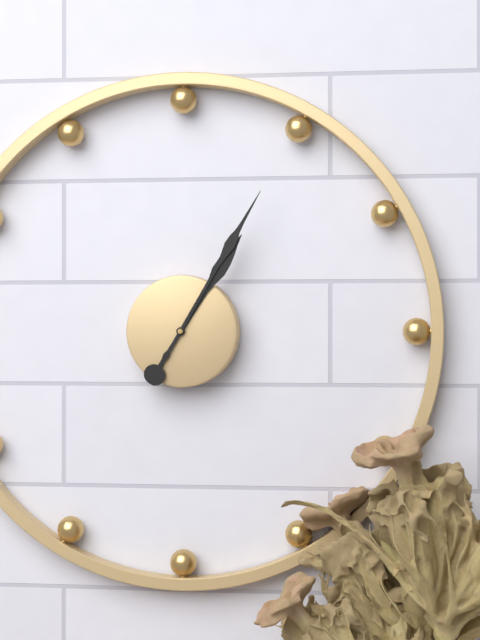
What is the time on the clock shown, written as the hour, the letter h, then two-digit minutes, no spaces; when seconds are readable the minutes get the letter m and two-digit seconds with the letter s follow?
1h05
